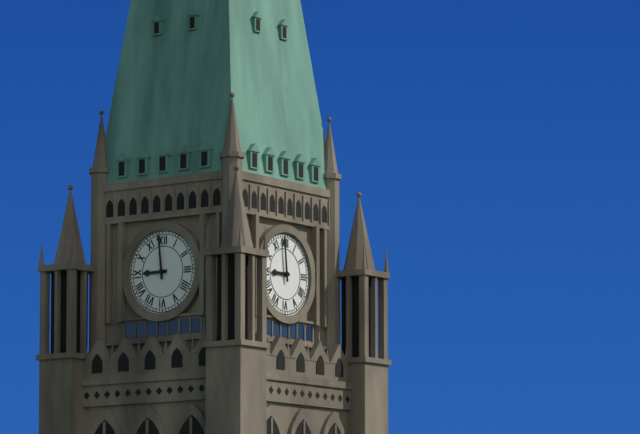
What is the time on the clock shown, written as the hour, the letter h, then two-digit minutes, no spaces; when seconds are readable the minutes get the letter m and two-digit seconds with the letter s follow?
8h59
